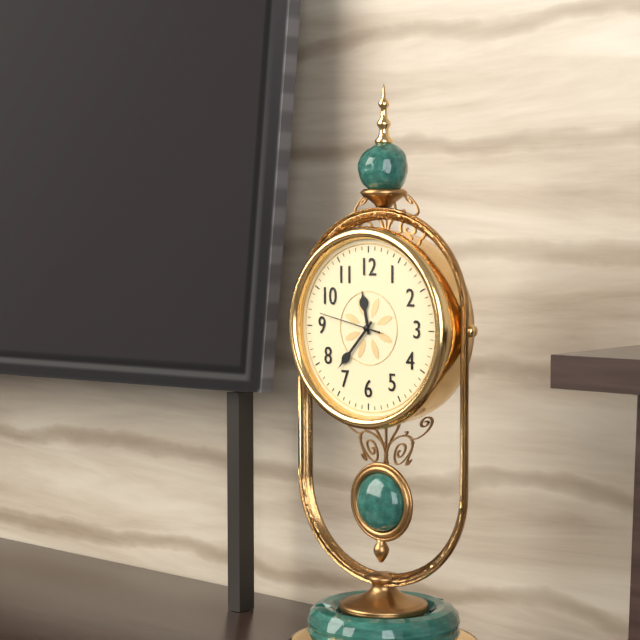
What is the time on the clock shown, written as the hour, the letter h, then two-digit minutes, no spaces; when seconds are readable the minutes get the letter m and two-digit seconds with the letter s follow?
11h37m47s
